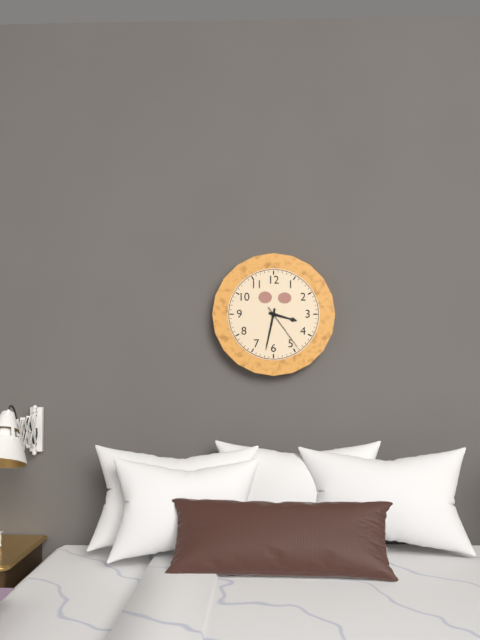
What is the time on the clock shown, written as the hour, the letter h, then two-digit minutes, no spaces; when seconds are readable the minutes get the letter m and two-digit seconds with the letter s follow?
3h32m24s
